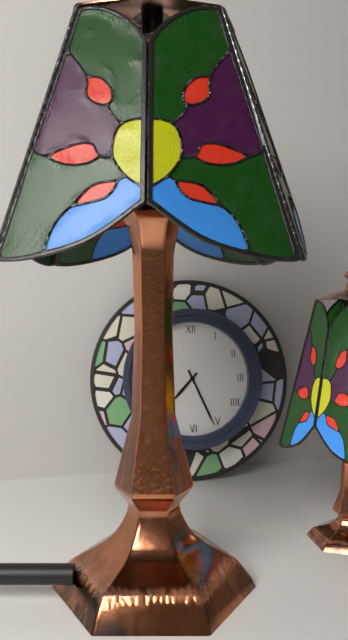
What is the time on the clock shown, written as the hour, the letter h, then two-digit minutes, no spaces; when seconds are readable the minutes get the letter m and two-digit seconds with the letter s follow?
7h26
